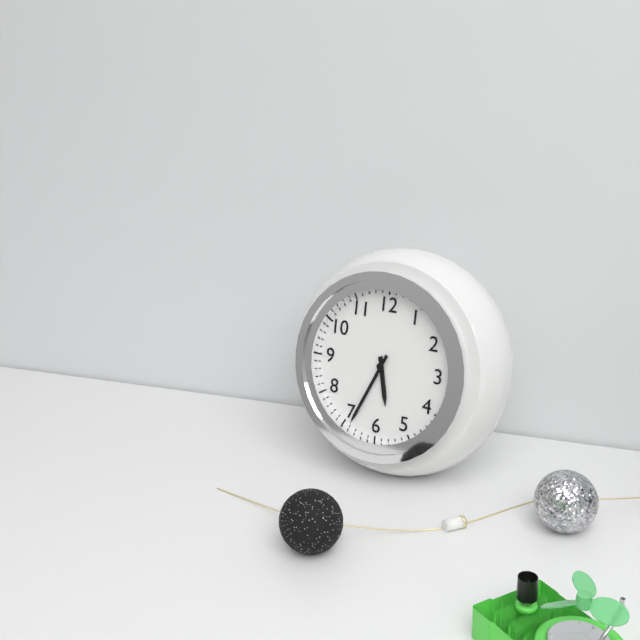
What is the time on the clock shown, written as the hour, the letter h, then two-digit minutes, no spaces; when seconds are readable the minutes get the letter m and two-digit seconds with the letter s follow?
5h34
